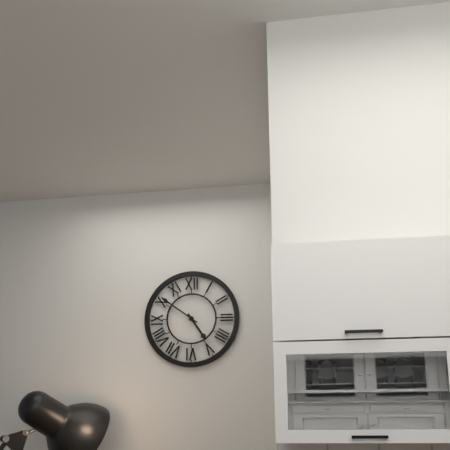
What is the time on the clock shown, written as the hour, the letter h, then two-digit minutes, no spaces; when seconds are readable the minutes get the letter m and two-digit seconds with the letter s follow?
4h51
